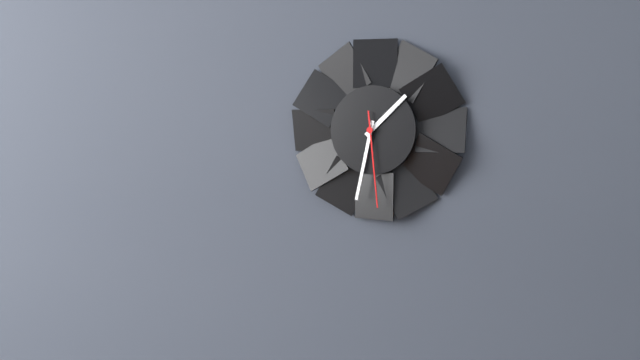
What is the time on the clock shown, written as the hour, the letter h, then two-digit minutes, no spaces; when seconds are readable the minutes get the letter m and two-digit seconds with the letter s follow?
1h32m29s
